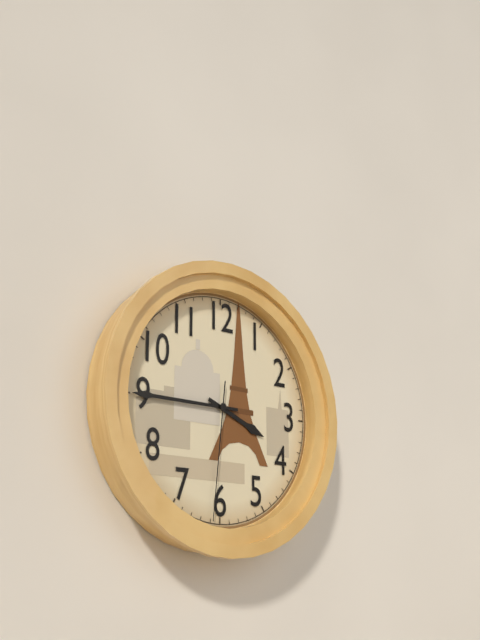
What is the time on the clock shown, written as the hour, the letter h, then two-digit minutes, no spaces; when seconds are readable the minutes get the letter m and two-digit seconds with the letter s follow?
3h45m31s
